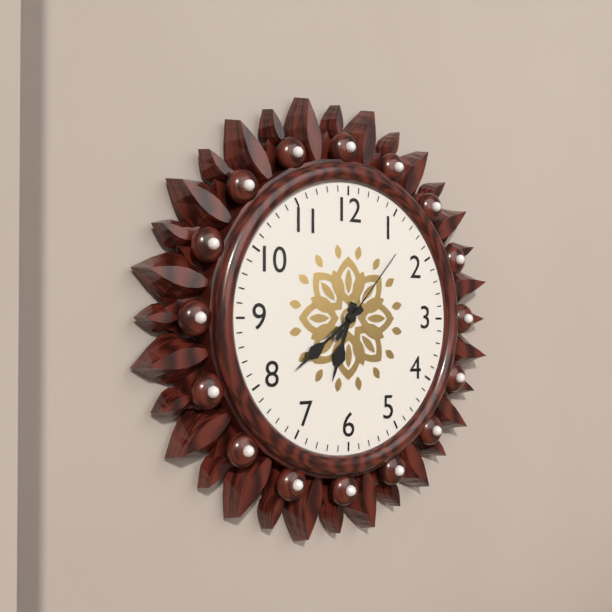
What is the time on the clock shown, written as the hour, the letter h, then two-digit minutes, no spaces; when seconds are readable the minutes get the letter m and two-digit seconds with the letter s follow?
6h39m07s
